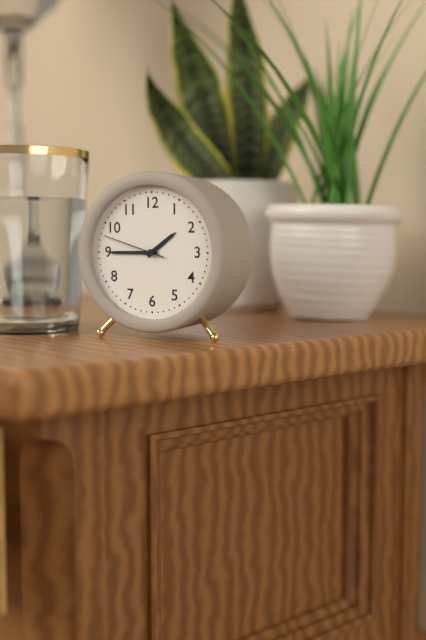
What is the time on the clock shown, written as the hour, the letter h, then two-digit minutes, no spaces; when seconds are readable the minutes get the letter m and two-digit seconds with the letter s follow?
1h45m48s
